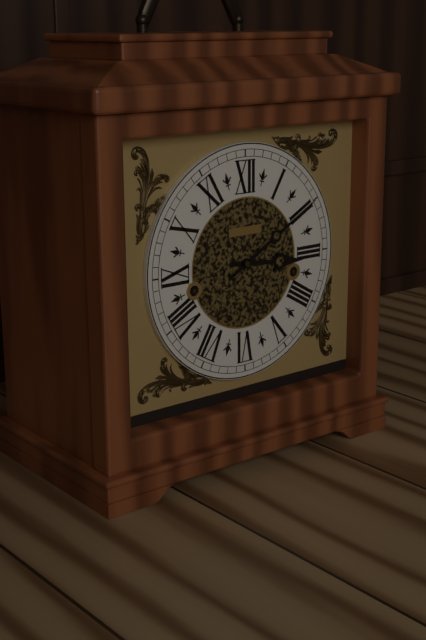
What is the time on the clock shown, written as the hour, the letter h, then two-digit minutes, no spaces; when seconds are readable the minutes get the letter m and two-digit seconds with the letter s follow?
3h10
